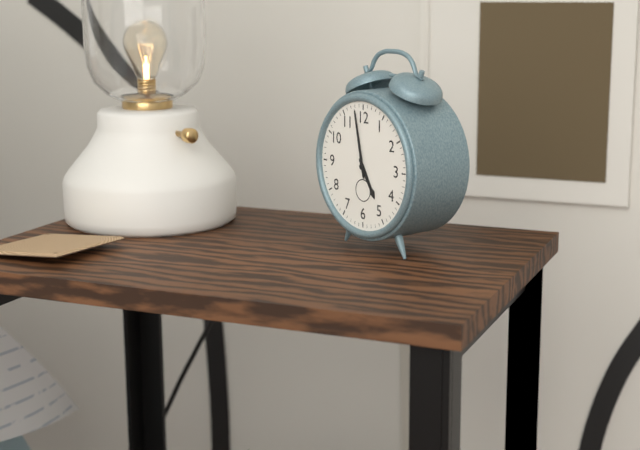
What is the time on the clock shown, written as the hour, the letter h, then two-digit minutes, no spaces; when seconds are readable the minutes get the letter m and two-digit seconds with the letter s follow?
4h58
